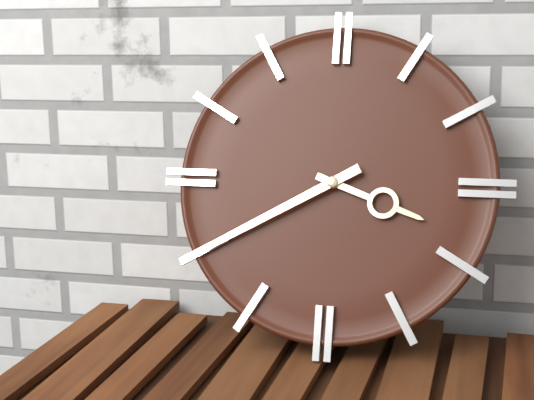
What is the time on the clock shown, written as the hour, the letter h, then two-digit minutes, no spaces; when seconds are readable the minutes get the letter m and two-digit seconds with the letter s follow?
3h40
